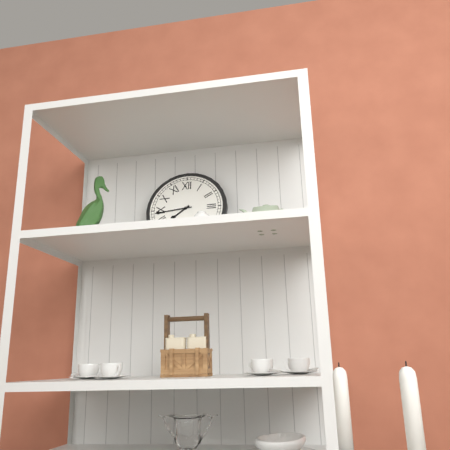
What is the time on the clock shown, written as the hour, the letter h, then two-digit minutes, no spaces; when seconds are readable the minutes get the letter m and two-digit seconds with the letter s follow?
7h44
